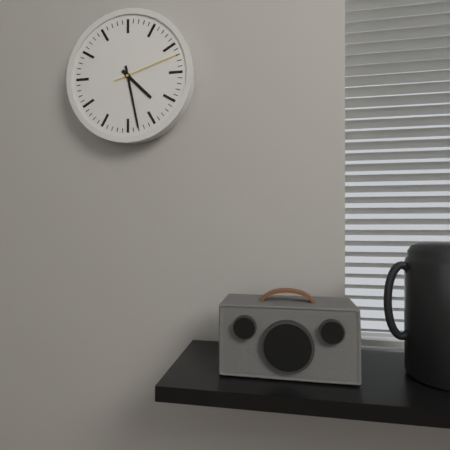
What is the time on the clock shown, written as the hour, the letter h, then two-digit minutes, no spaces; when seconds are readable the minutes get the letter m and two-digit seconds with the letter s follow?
4h28m12s
